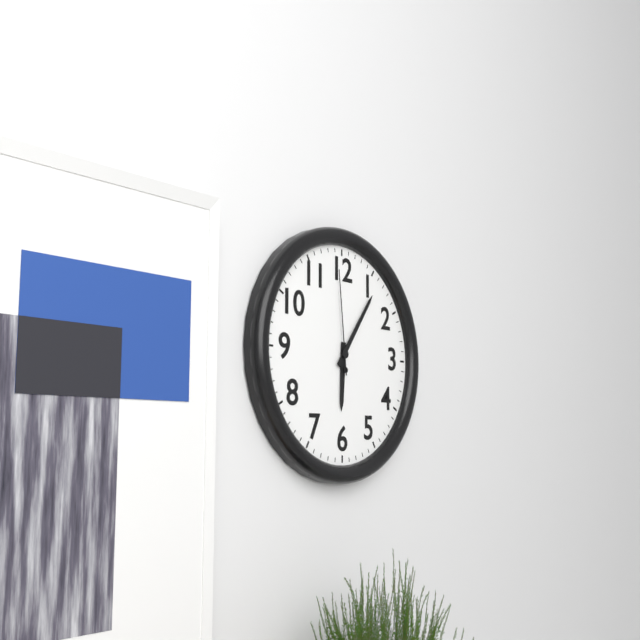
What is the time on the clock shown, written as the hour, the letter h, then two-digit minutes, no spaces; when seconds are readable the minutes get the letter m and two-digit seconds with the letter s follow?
6h06m59s
